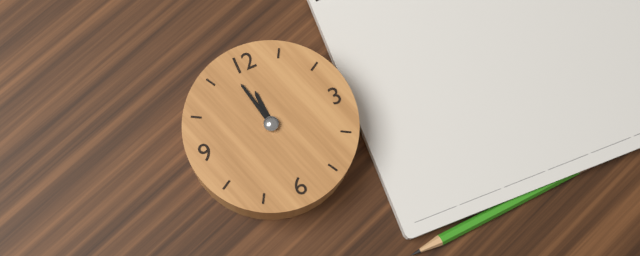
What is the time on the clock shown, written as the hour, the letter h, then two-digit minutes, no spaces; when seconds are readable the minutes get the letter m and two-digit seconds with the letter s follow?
11h58
